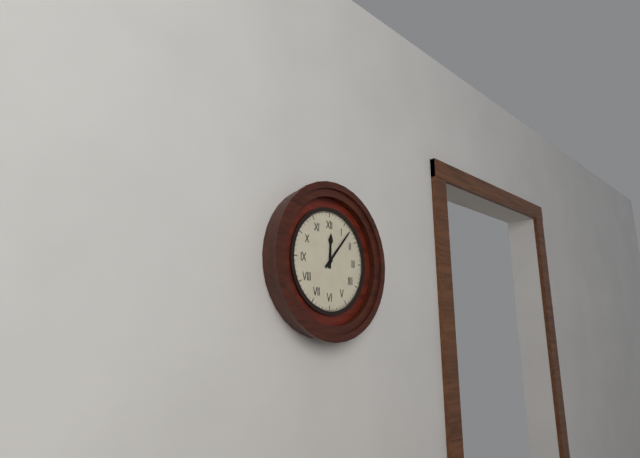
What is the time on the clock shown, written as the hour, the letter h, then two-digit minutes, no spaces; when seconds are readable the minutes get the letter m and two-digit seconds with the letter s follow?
12h07
